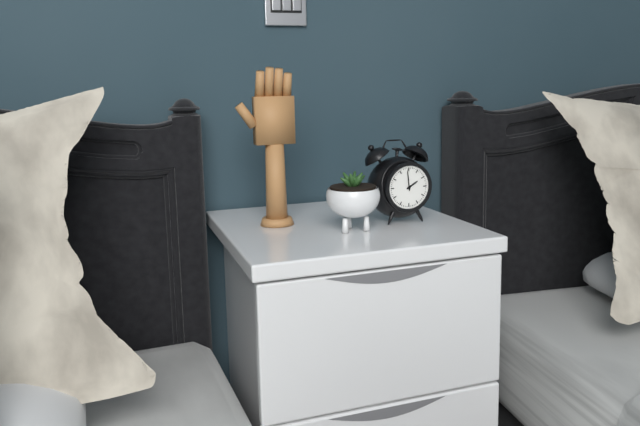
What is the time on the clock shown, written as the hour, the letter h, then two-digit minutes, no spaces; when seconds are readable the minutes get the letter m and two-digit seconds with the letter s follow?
1h59
